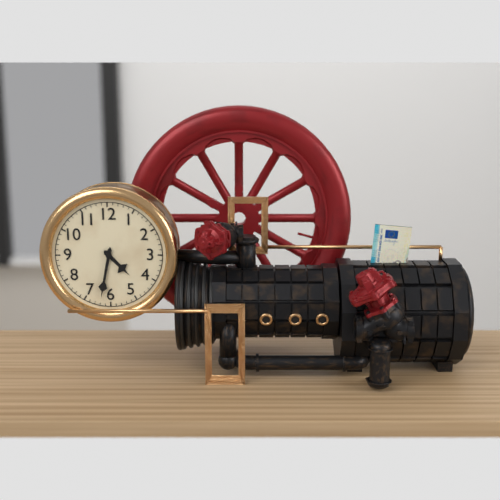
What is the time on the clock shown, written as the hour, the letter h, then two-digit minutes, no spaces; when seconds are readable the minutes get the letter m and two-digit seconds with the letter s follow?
4h32
